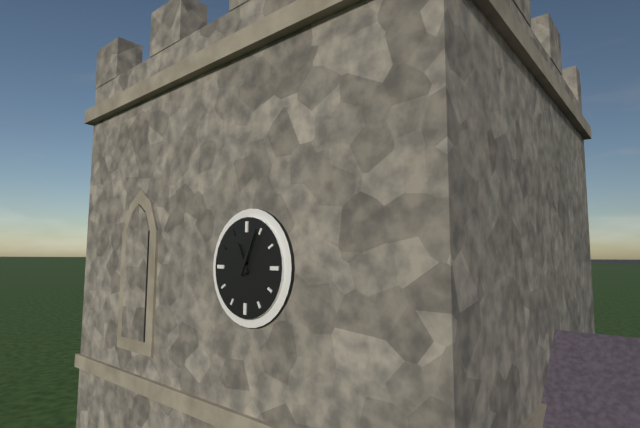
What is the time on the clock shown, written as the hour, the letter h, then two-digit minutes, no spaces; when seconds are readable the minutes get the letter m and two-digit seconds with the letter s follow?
11h04
